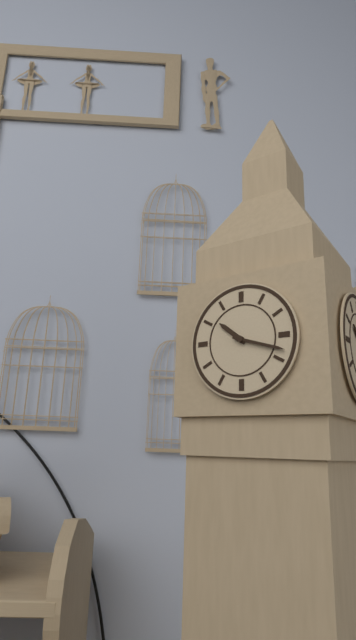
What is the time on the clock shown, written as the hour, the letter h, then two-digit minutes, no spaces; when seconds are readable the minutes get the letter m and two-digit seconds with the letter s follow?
10h18
